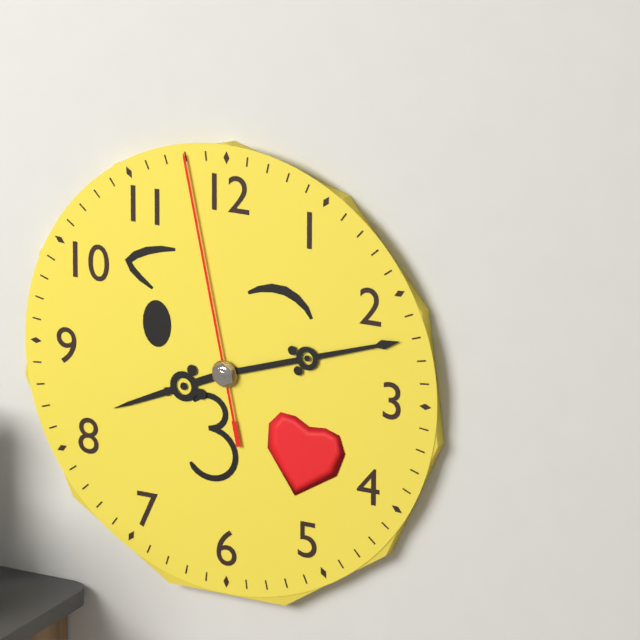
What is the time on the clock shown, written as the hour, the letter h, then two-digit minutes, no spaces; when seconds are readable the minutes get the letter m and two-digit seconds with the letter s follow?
8h12m58s
